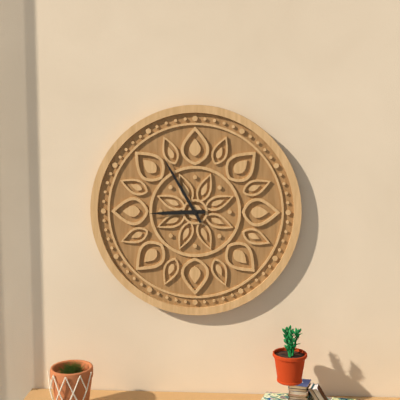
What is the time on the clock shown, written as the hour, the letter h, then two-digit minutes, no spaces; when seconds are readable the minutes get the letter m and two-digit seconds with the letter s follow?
8h55
